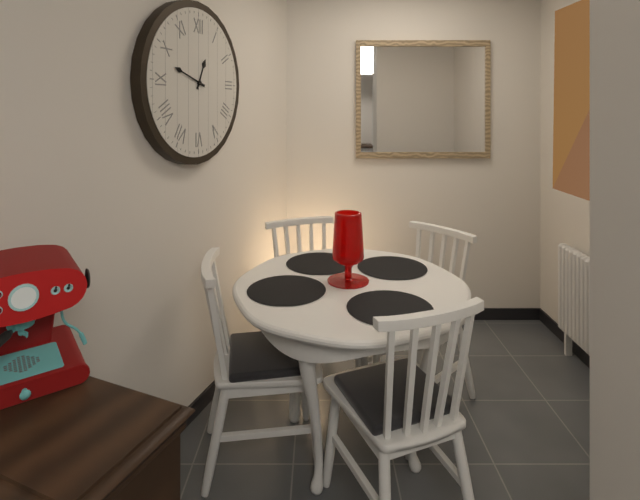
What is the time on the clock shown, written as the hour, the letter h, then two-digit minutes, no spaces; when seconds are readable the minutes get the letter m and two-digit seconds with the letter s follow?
12h48
